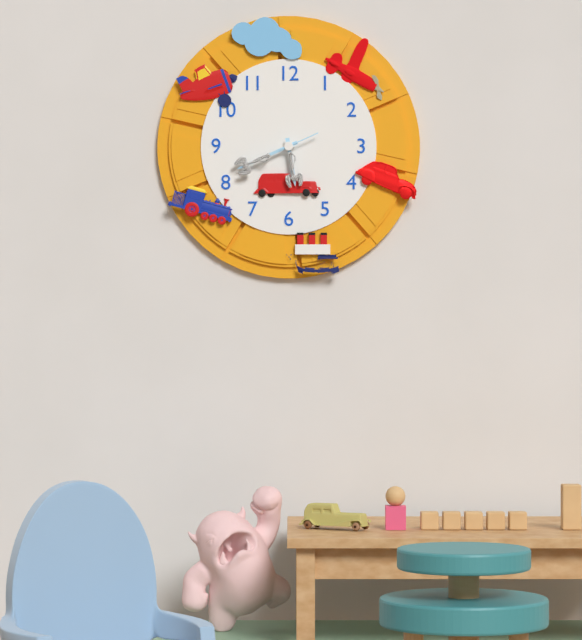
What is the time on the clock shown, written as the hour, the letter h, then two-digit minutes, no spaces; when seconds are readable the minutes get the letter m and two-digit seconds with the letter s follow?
5h41
